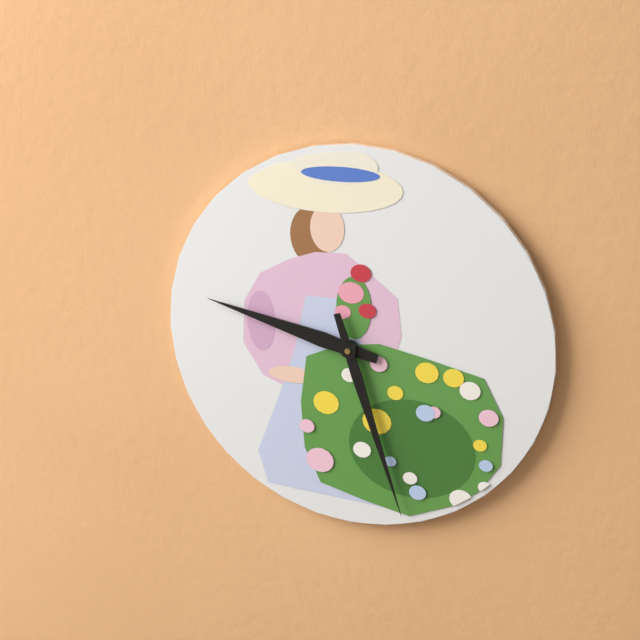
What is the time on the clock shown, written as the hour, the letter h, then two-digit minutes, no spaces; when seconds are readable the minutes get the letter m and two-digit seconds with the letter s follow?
9h27
